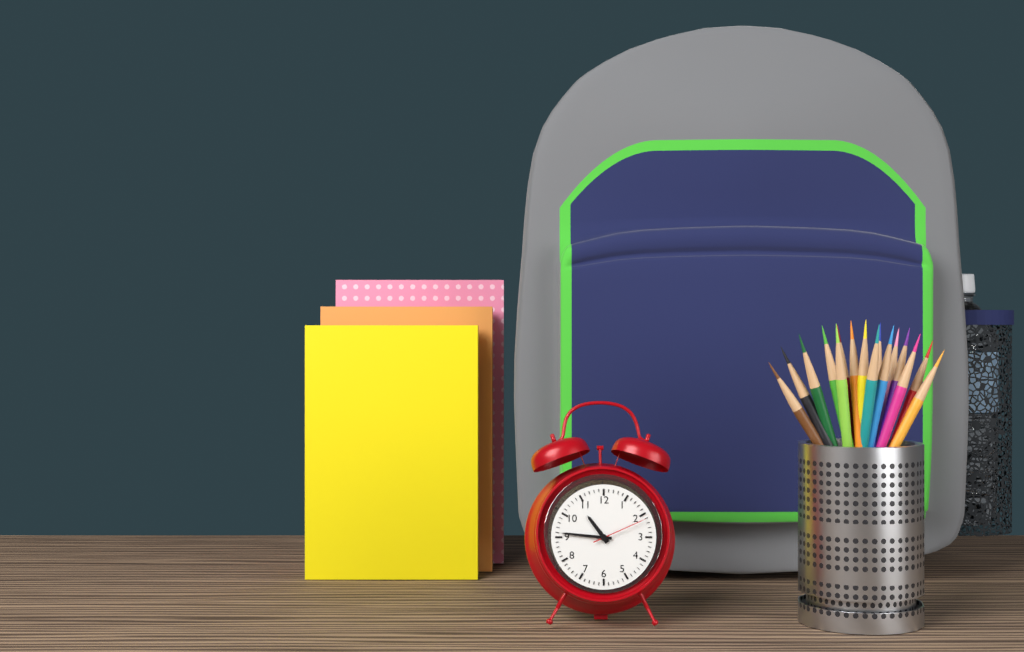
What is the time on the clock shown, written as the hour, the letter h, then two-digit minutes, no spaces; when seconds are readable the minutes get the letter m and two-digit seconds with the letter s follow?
10h46m11s
